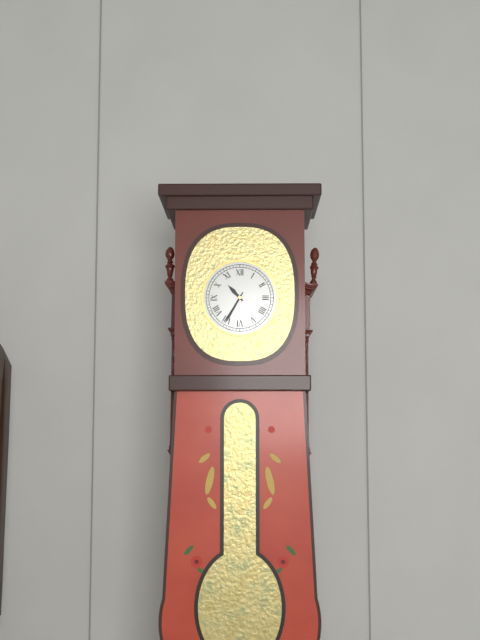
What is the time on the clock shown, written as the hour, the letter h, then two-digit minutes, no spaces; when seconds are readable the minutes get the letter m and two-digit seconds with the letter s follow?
10h35
